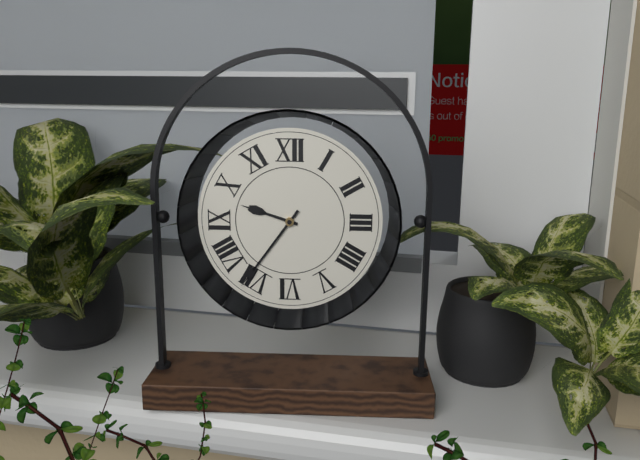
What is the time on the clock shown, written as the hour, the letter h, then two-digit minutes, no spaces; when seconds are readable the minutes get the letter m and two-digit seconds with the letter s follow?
9h36
